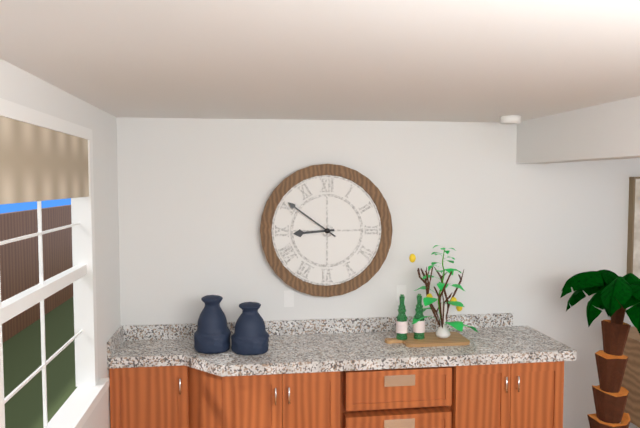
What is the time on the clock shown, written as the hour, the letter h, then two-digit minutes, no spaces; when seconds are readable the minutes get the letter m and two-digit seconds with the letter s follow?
8h51
